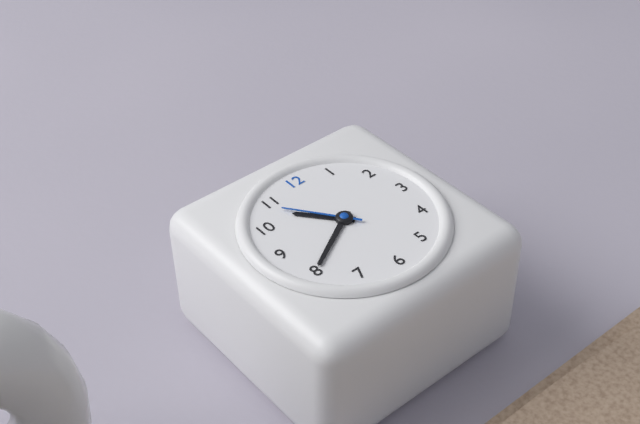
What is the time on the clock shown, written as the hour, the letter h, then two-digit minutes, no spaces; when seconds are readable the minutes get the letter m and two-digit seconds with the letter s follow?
10h40m54s
